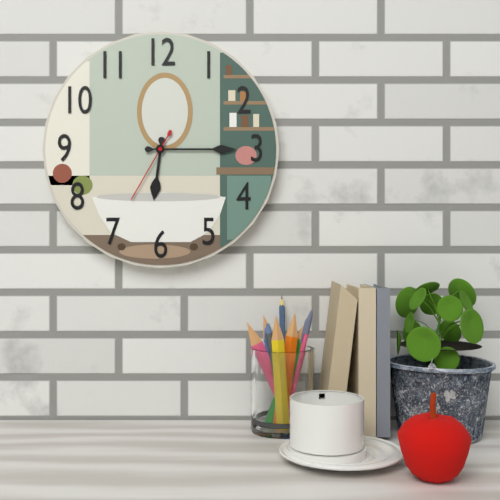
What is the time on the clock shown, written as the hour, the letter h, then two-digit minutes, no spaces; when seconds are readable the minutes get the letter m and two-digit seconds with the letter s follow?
6h15m35s
